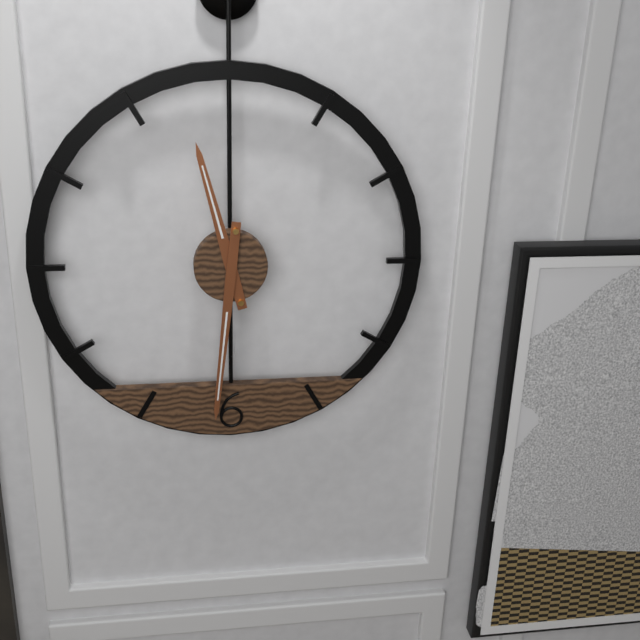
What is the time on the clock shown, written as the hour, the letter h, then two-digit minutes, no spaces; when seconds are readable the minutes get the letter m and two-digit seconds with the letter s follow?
11h31
